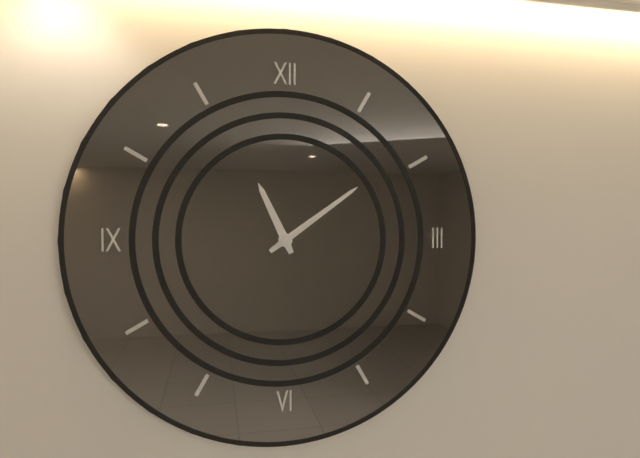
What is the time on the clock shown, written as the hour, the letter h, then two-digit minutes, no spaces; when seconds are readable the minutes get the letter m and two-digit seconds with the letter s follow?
11h09
